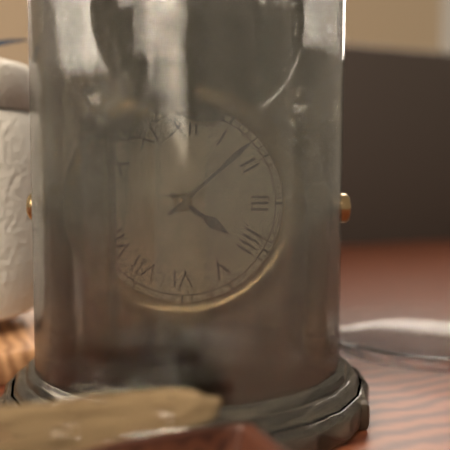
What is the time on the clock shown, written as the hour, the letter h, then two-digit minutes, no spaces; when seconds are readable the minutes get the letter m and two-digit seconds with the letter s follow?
4h08
